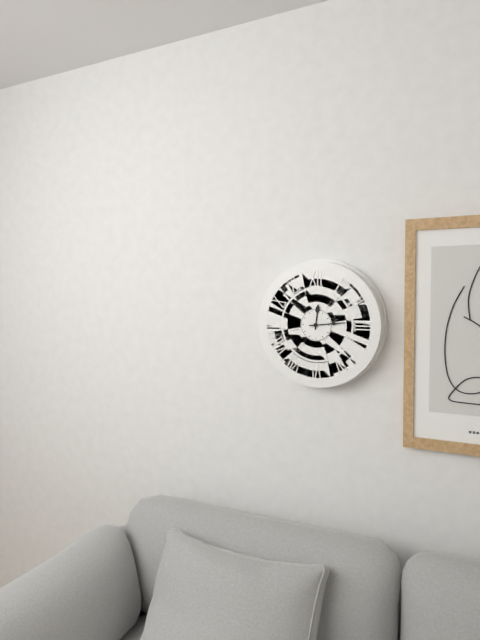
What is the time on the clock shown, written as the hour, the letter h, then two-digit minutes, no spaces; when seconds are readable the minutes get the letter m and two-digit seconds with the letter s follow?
12h14
